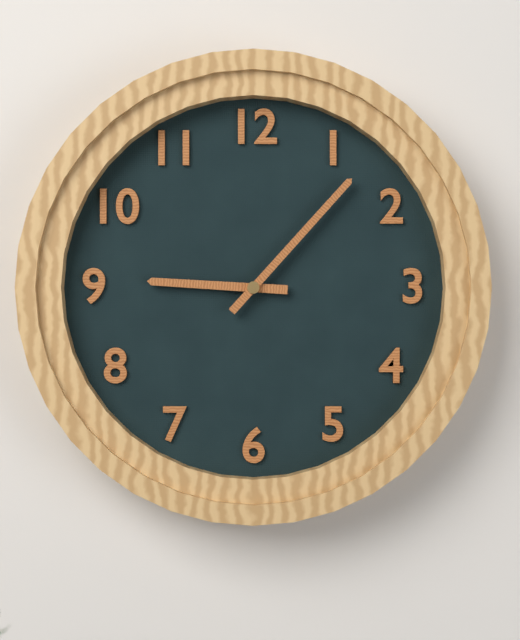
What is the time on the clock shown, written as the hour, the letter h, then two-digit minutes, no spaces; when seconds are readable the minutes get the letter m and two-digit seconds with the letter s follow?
9h07
